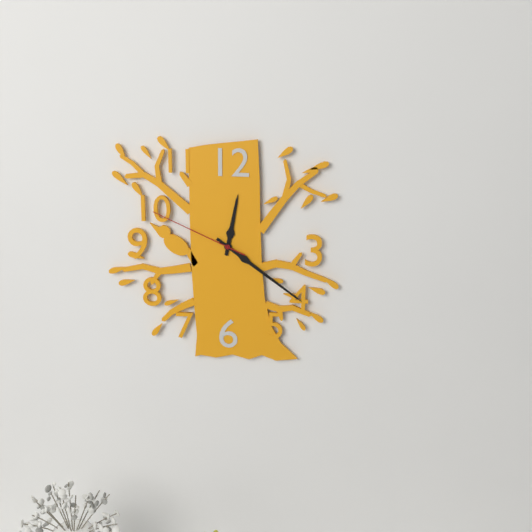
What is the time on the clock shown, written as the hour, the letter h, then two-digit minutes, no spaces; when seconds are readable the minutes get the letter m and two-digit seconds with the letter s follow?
12h21m49s
